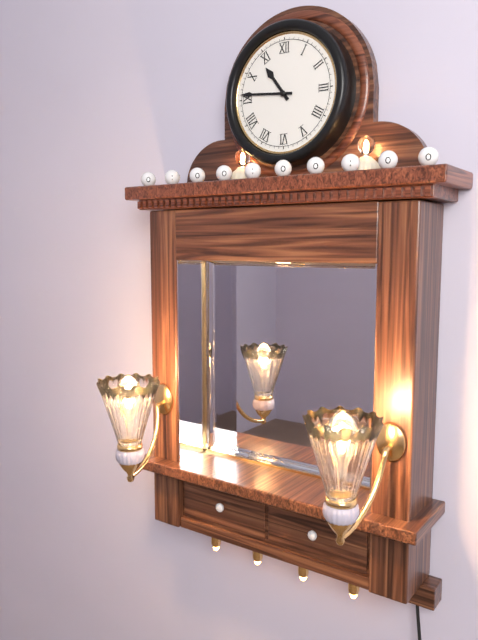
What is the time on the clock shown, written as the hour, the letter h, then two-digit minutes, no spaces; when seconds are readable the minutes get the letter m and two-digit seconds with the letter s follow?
10h46
